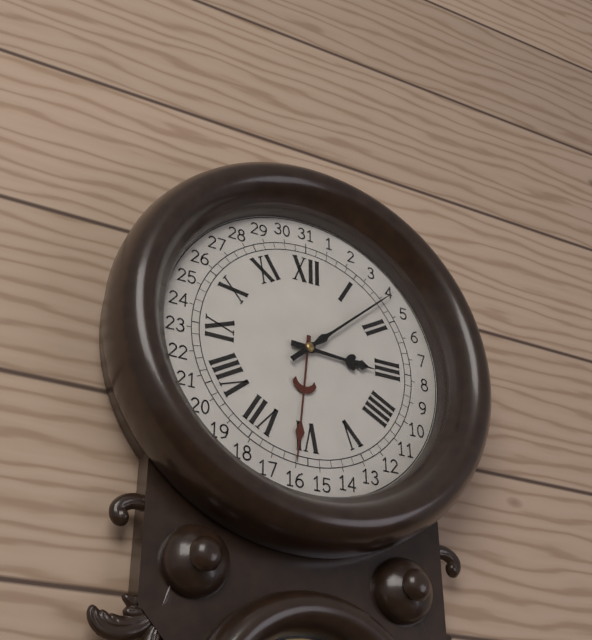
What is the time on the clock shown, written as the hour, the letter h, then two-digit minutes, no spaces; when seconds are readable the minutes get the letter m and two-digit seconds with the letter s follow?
3h08
